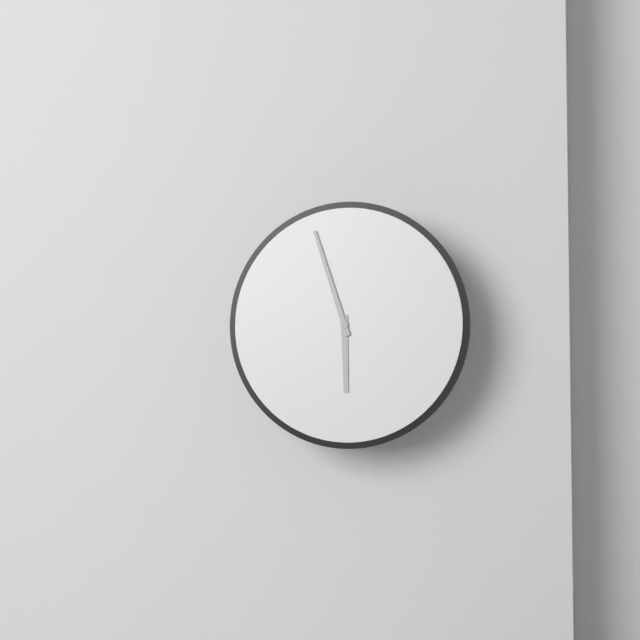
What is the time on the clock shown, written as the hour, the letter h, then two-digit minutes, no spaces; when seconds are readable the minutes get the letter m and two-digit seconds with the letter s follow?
5h57
